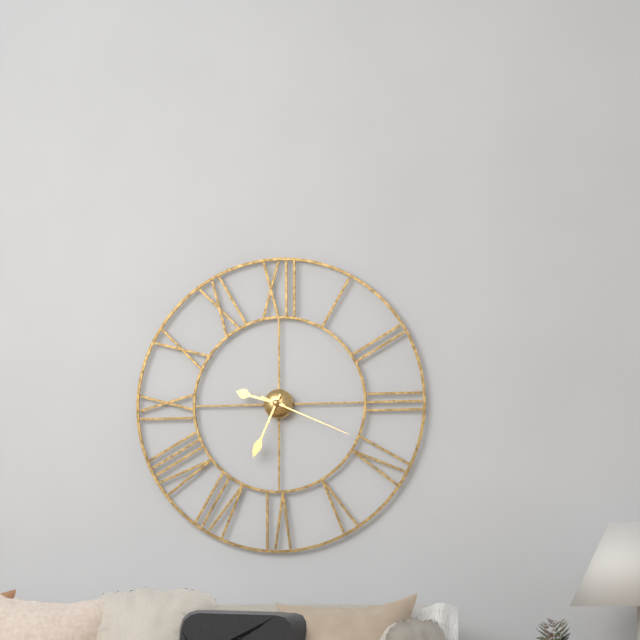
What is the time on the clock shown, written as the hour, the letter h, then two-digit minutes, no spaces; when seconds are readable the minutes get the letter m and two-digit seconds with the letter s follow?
9h34m19s
